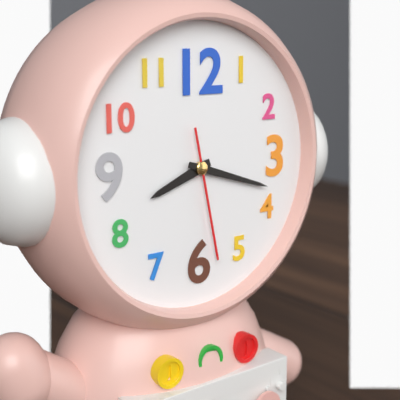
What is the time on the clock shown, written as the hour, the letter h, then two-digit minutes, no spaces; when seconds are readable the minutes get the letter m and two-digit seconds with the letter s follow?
8h18m28s
